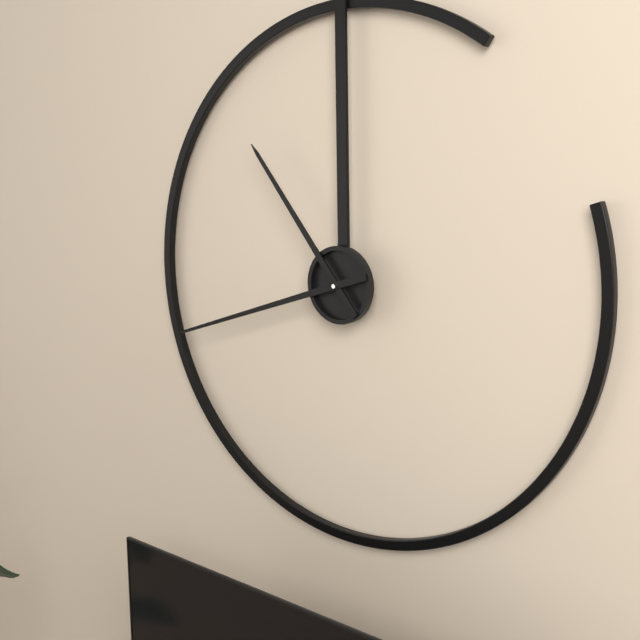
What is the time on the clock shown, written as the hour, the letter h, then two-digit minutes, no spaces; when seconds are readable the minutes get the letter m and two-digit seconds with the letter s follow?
10h42
